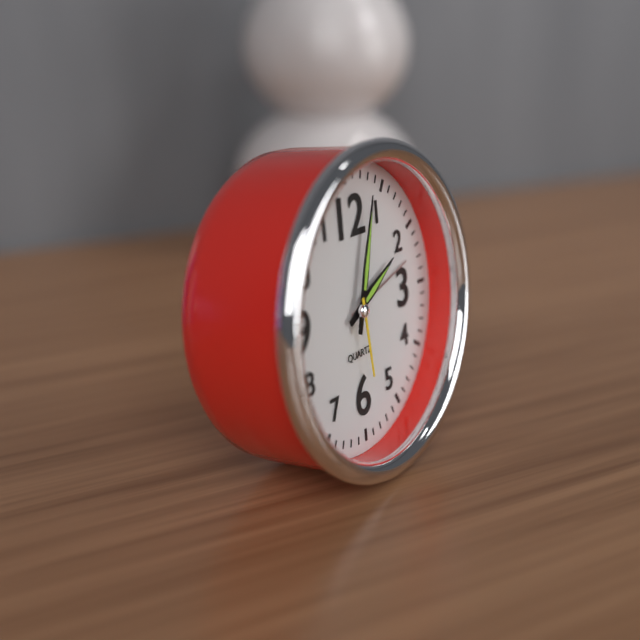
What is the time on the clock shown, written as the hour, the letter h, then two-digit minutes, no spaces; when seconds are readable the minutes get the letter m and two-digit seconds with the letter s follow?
2h03m29s
